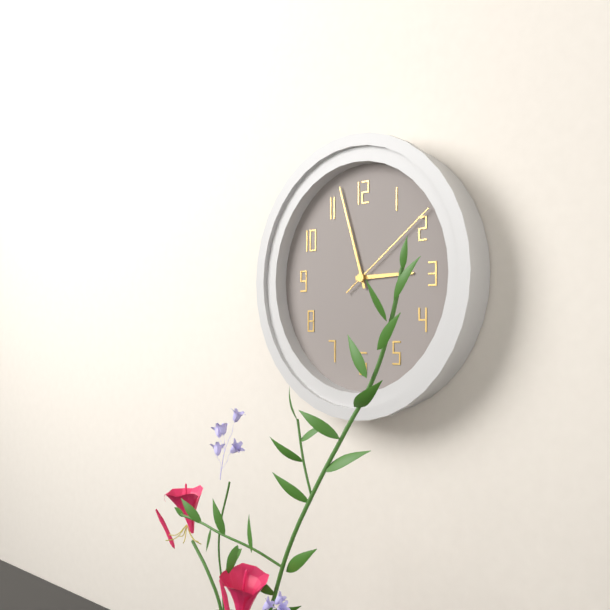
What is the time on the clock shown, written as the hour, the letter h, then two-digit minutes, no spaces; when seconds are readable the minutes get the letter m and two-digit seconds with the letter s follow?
2h57m09s
